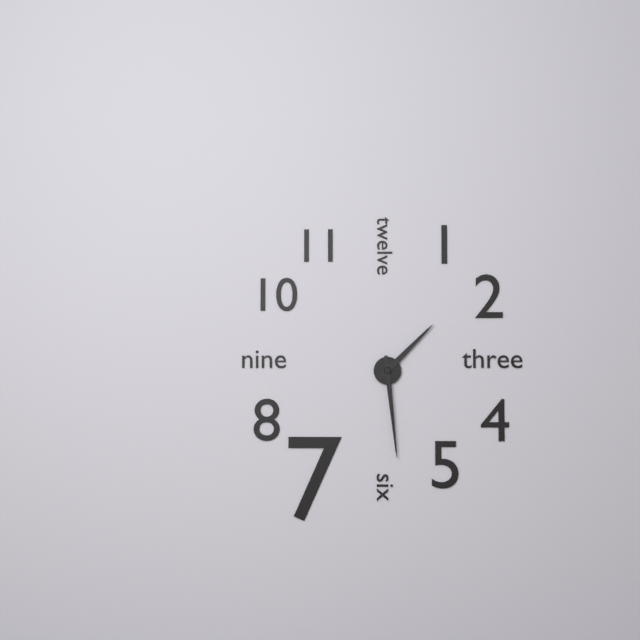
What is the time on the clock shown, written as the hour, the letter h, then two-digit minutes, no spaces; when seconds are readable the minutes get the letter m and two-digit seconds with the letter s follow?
1h29
